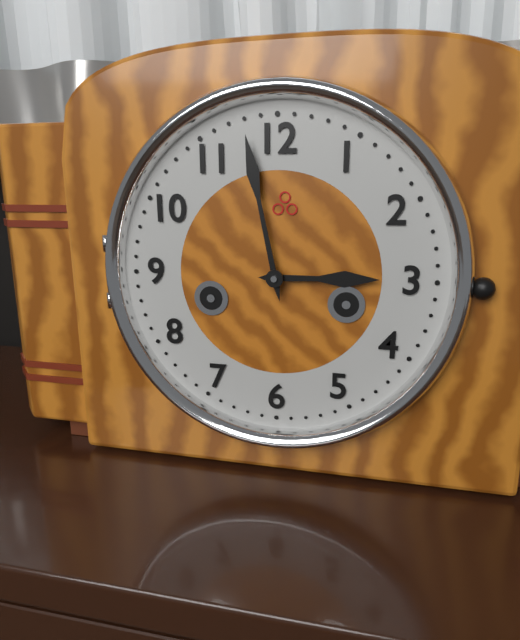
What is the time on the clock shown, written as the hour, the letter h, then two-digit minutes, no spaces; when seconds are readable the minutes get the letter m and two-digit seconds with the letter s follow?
2h58
